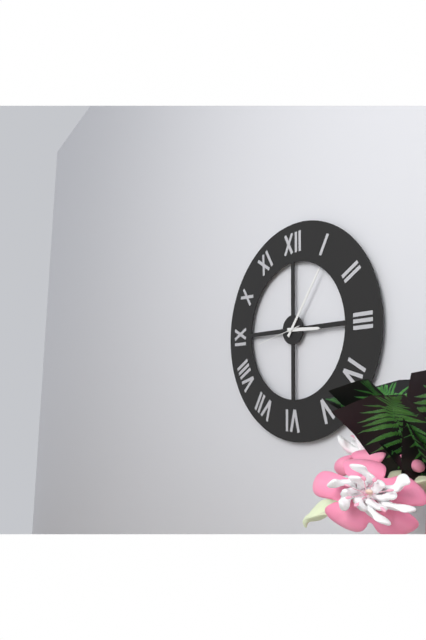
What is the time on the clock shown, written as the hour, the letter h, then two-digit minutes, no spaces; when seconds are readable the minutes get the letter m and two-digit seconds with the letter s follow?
3h06
